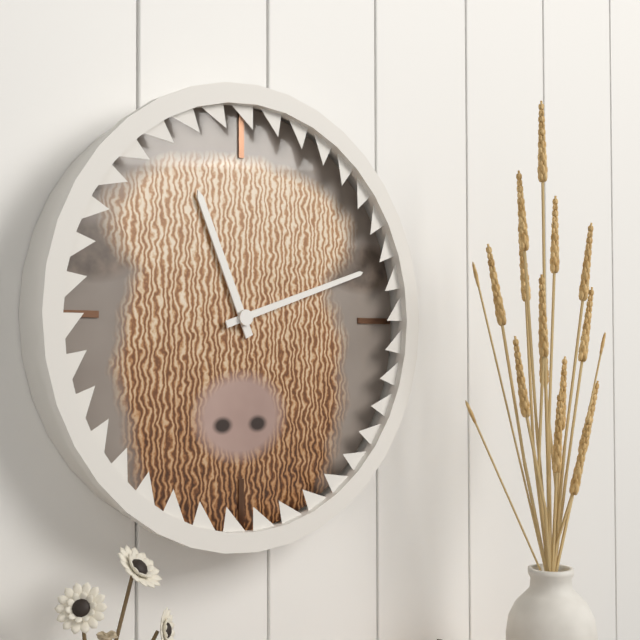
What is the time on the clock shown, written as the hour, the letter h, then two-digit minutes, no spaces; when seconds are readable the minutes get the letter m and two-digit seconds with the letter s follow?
11h12
